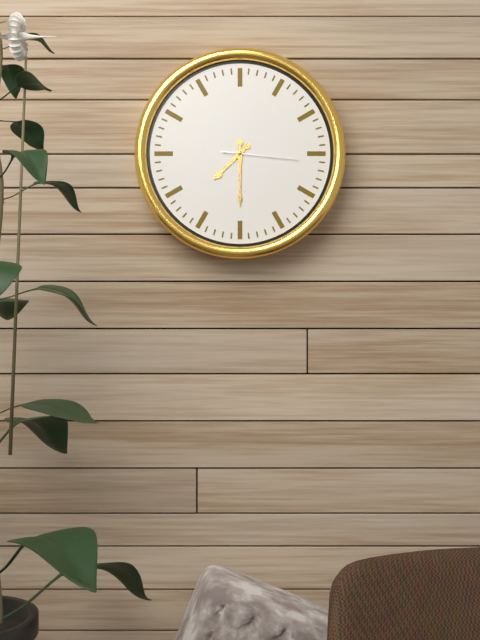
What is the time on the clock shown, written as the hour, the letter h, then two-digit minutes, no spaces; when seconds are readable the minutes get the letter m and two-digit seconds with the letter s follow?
7h30m16s
